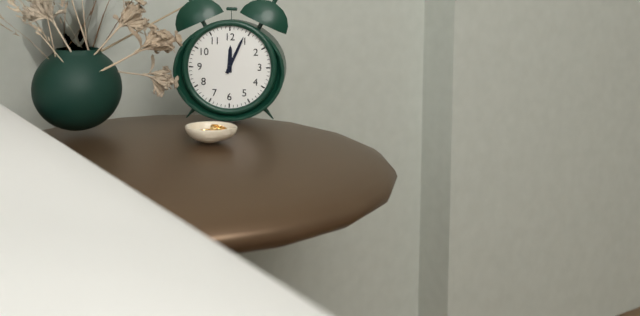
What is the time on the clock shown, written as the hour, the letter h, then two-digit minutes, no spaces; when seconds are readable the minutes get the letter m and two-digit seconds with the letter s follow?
12h04
